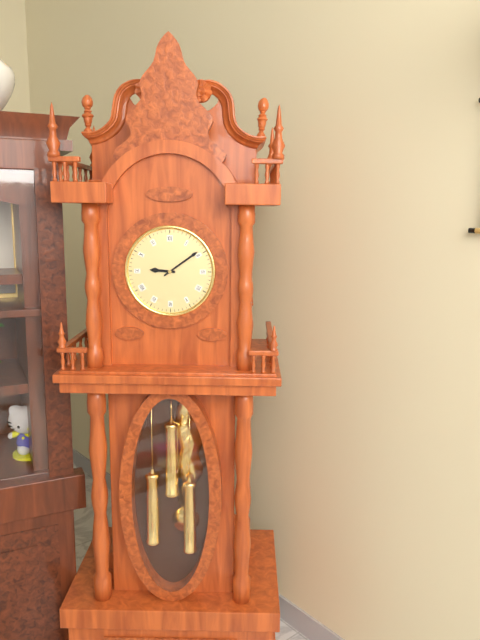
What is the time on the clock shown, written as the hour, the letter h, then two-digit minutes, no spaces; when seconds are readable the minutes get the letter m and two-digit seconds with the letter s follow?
9h09
